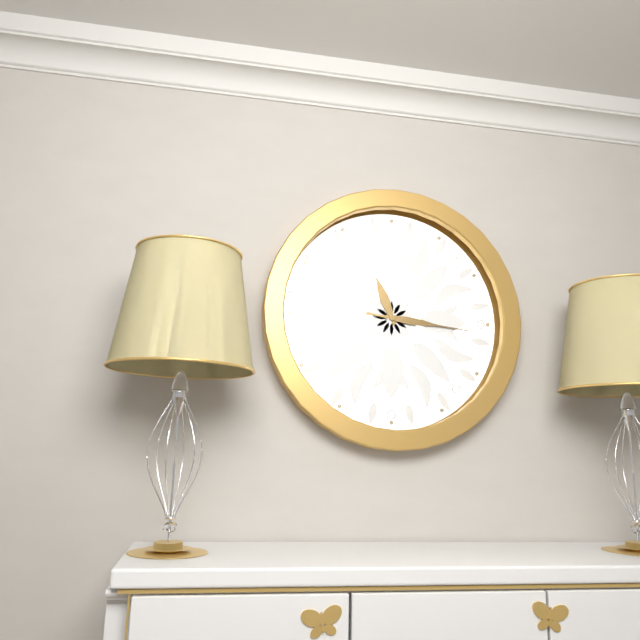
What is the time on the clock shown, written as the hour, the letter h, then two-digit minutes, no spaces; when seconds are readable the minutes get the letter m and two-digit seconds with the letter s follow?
11h16
